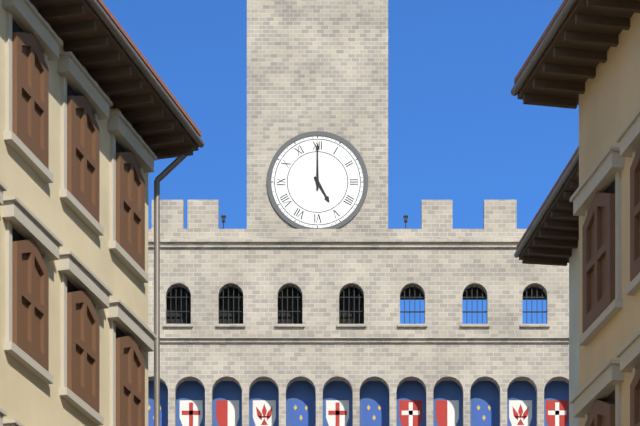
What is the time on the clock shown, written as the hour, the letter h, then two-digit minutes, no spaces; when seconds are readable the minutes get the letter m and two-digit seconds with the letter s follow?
5h00
